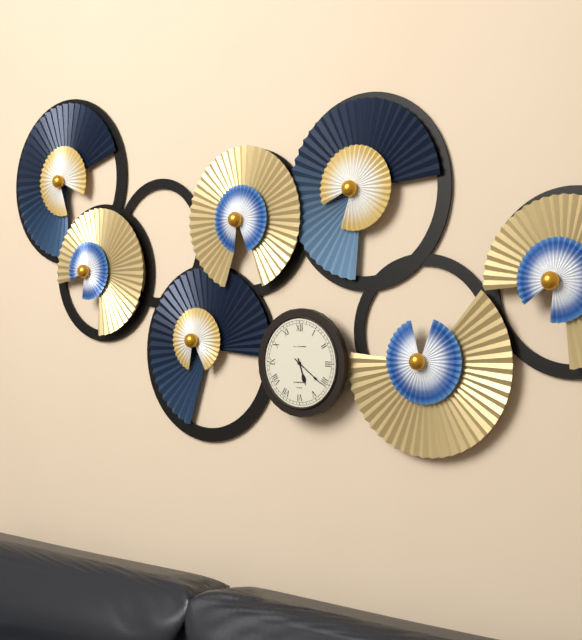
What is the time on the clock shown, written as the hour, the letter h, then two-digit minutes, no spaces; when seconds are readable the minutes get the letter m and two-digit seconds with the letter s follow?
5h21
